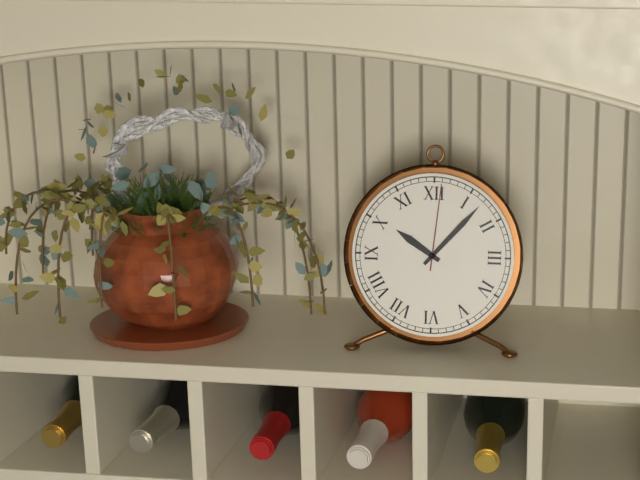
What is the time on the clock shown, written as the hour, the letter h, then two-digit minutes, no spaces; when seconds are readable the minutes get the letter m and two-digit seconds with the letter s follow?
10h07m01s
